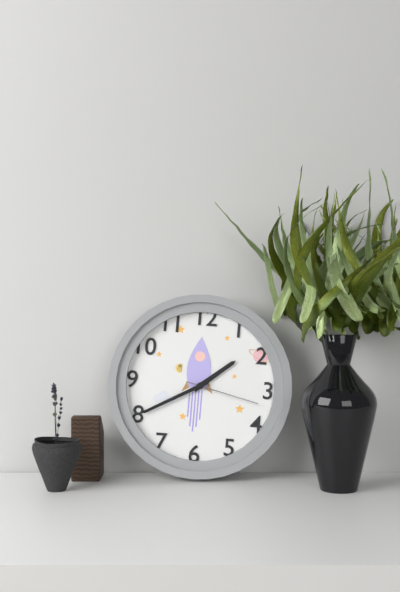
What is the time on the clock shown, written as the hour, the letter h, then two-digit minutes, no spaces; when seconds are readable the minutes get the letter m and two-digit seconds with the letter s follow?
1h40m17s
